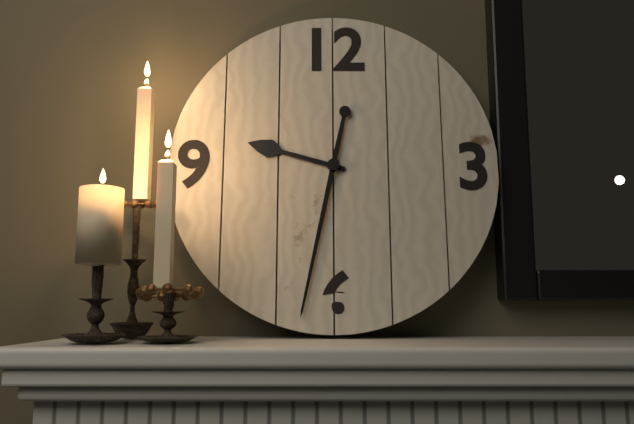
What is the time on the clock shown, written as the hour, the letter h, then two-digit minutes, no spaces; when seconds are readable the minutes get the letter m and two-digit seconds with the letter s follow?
9h32
